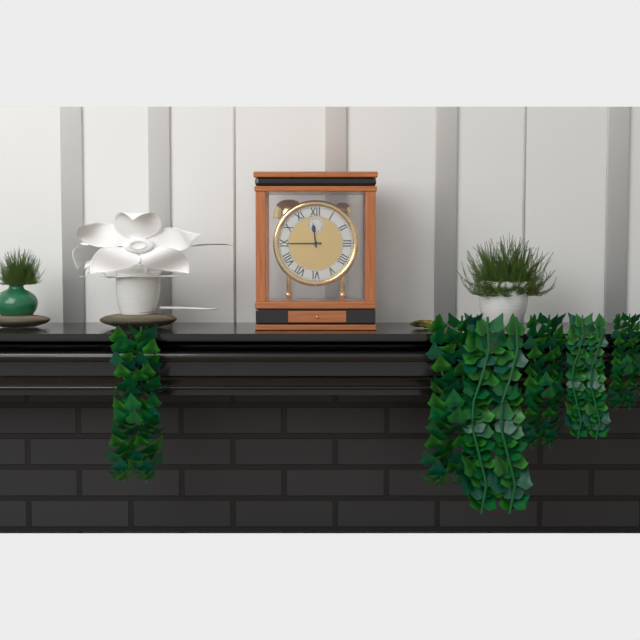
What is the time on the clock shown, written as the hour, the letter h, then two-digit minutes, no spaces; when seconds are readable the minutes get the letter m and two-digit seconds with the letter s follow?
11h45
